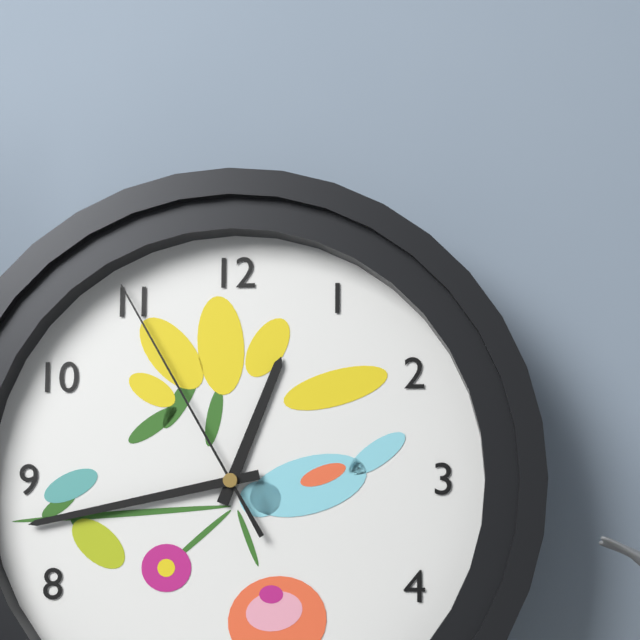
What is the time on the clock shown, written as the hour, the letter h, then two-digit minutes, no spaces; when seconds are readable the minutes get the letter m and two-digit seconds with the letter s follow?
12h43m55s
